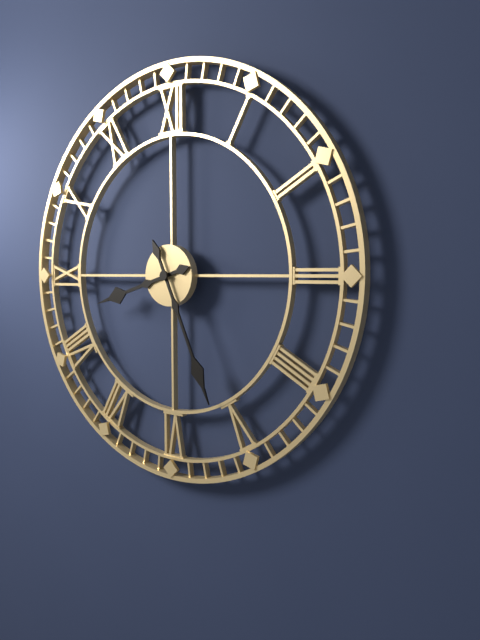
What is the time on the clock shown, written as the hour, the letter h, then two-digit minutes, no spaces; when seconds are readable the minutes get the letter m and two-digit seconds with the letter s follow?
8h26
